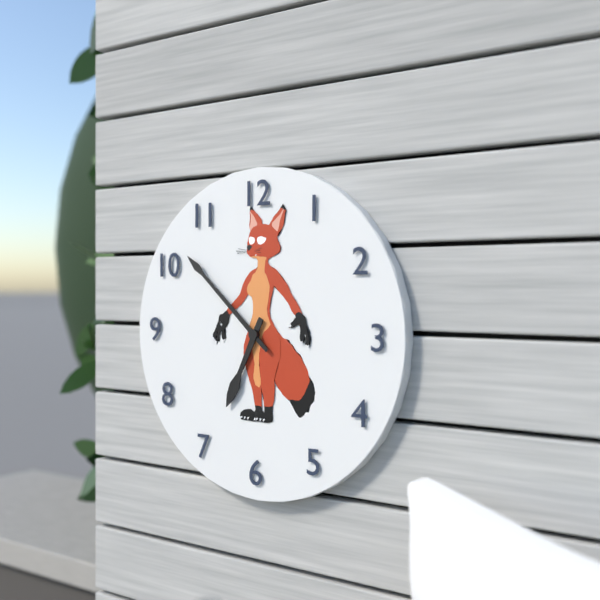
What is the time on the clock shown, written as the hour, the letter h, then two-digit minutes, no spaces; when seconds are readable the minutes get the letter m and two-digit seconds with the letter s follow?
6h52
